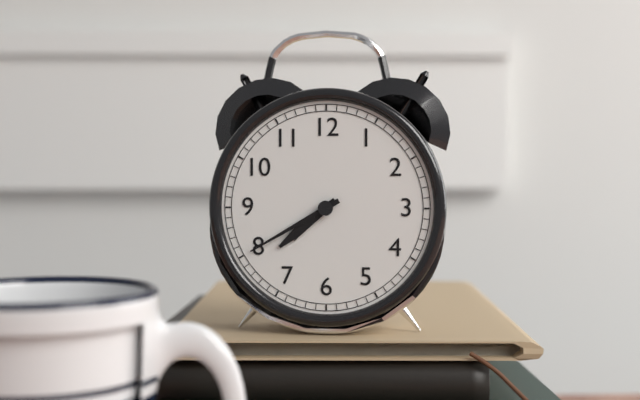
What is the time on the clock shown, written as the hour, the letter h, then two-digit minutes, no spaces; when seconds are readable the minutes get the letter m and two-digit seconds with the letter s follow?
7h40
